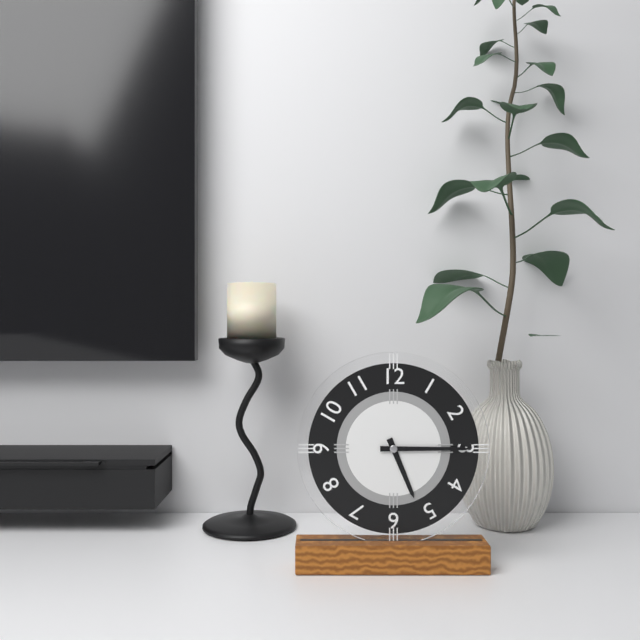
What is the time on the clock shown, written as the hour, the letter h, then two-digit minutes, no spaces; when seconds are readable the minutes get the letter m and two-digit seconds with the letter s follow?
5h15
